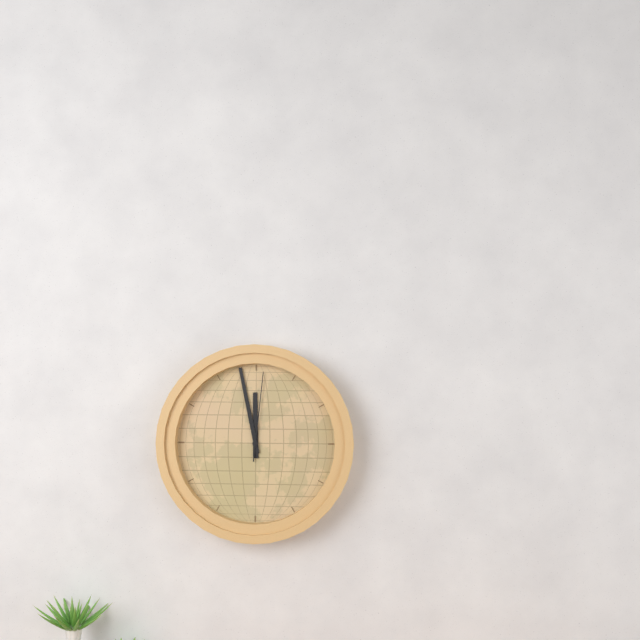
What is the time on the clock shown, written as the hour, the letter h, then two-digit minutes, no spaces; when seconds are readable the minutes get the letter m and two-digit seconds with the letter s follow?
11h58m01s
